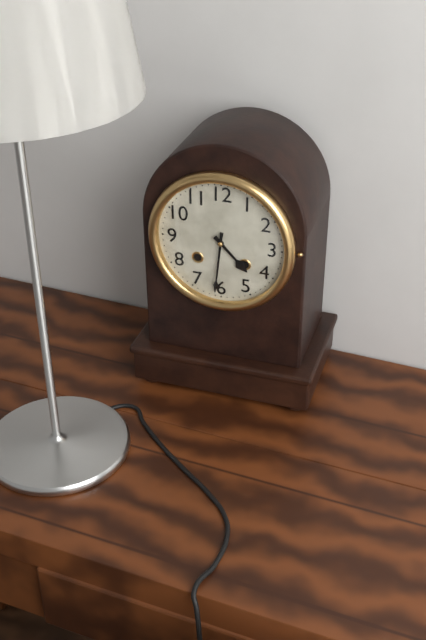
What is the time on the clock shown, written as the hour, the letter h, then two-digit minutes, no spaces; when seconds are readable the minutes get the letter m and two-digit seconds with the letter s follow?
4h31
